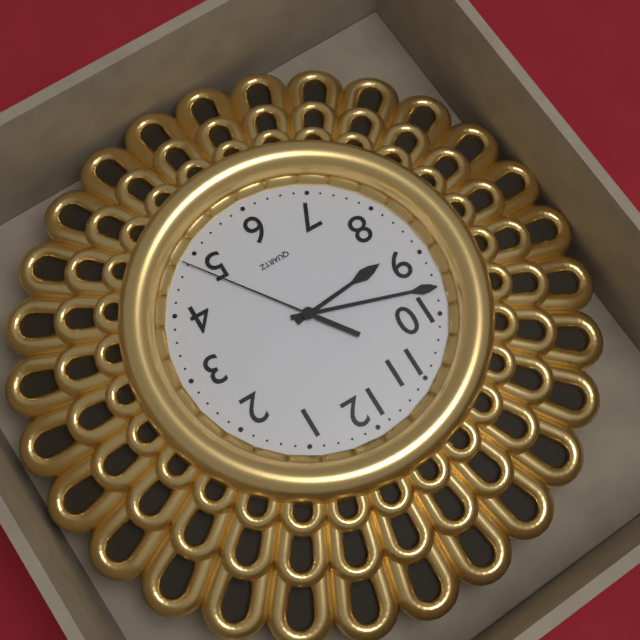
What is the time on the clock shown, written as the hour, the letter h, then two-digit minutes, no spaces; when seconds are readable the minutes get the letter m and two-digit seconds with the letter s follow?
8h48m24s
